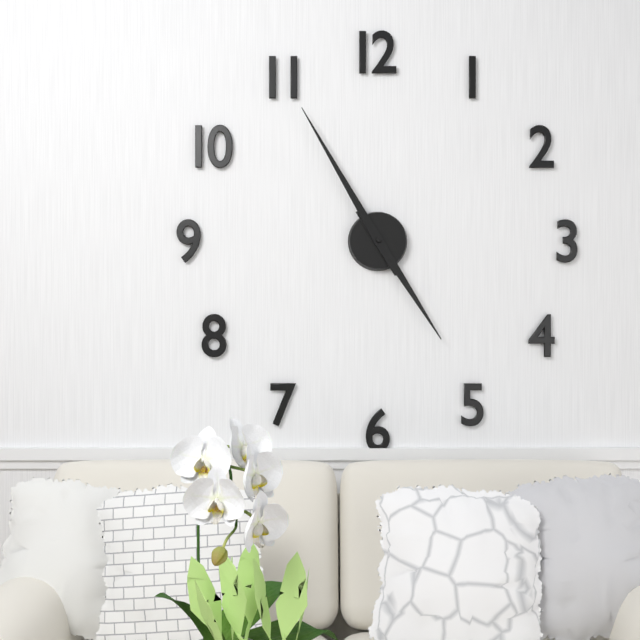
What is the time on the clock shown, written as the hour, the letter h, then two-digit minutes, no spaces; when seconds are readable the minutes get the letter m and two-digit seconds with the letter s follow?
4h55
